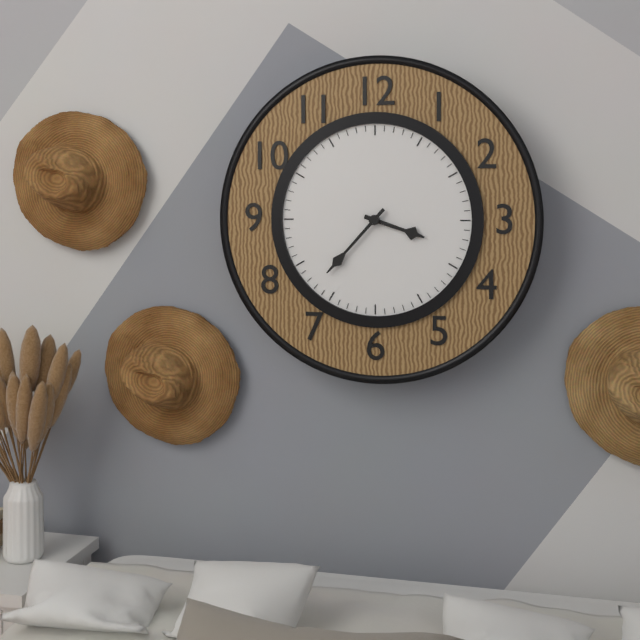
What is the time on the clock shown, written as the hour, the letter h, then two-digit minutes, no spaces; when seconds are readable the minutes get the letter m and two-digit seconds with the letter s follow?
3h37
